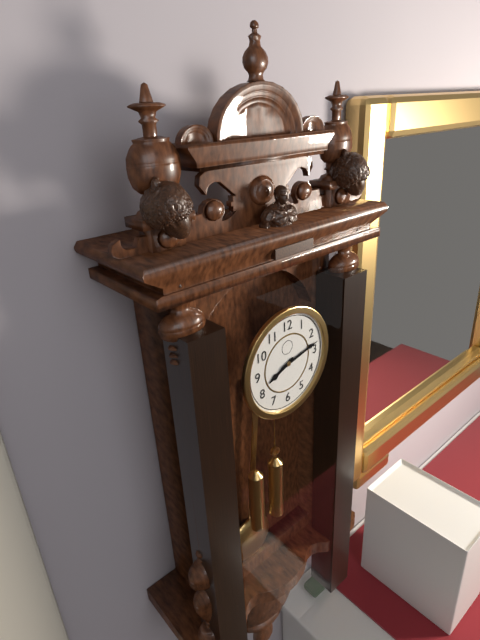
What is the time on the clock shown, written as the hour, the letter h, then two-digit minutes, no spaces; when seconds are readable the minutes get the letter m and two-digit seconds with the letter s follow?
8h13
